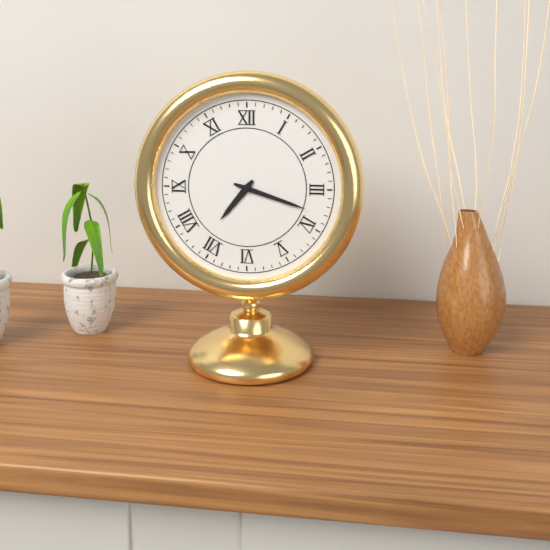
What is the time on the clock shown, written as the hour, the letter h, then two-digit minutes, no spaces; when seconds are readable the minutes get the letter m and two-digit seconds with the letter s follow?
7h18
